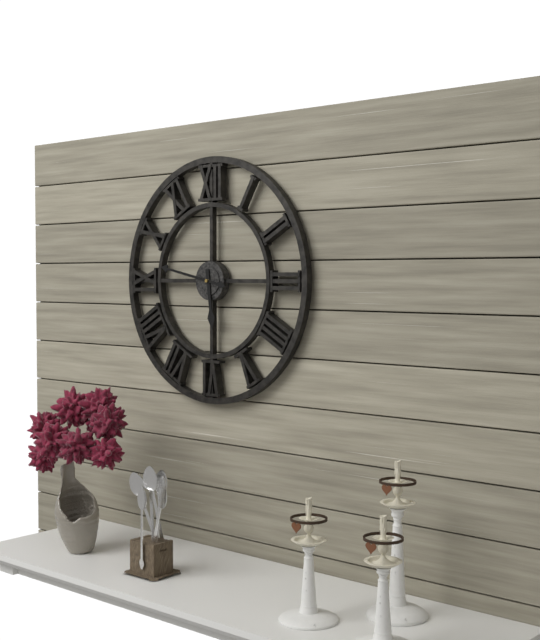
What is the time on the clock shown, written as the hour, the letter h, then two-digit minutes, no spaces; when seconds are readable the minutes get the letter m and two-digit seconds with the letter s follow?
5h47
